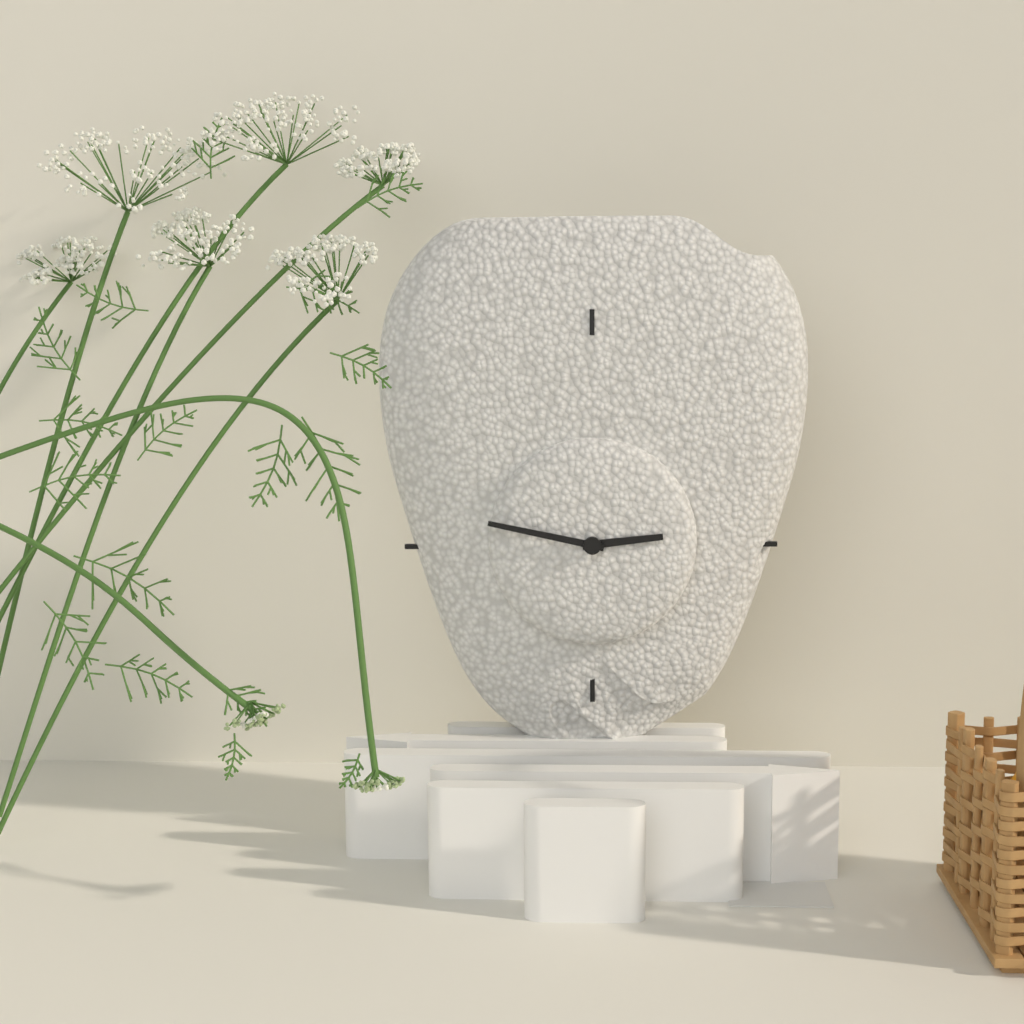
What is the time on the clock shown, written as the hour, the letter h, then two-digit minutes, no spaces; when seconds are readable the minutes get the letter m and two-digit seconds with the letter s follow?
2h47
